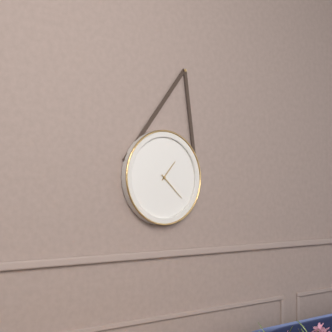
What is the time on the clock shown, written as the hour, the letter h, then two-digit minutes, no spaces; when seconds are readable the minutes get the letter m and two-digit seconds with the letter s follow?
1h22
